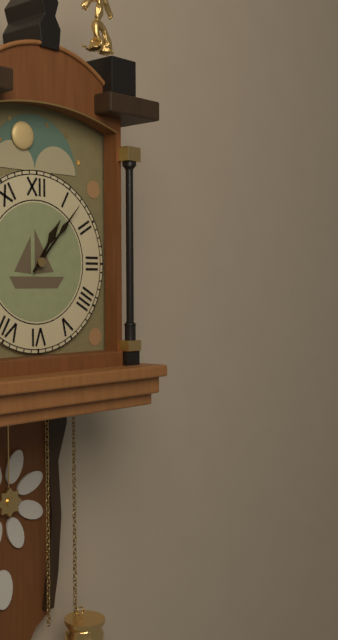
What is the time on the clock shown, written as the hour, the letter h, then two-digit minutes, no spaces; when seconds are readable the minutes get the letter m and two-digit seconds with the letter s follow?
1h07
